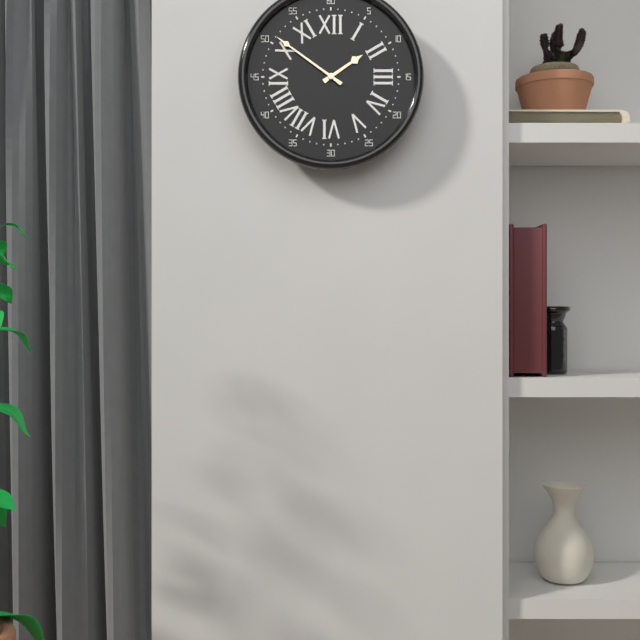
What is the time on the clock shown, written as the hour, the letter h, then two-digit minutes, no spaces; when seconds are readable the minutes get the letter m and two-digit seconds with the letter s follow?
1h51
